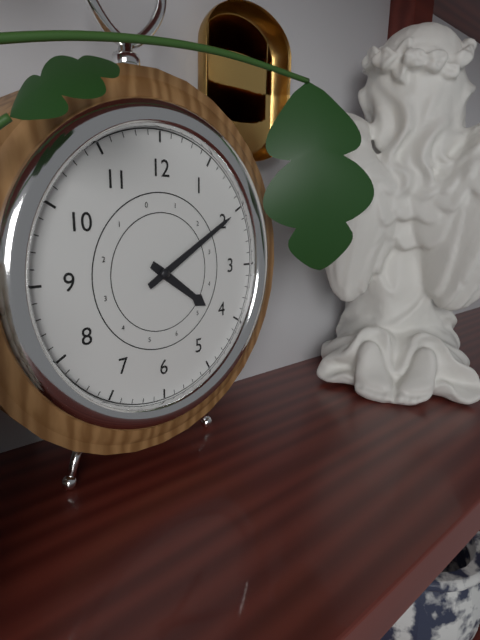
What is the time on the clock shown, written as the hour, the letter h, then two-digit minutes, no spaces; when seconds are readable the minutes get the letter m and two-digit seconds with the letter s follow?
4h10
